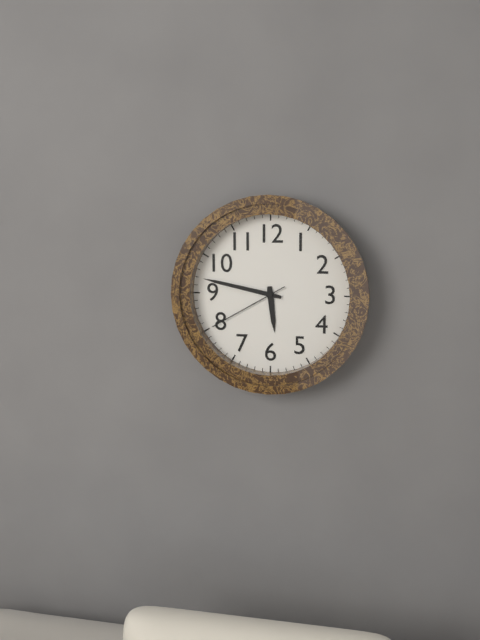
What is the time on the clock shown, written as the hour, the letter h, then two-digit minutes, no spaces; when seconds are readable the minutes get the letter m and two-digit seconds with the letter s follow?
5h47m40s
